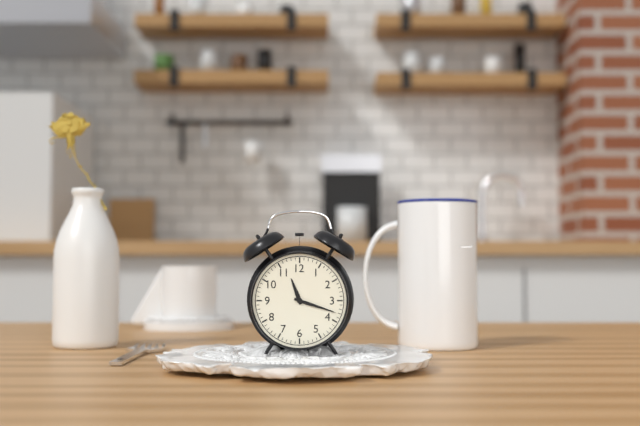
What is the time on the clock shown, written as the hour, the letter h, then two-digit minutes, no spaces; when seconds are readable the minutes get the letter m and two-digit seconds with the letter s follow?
11h18
